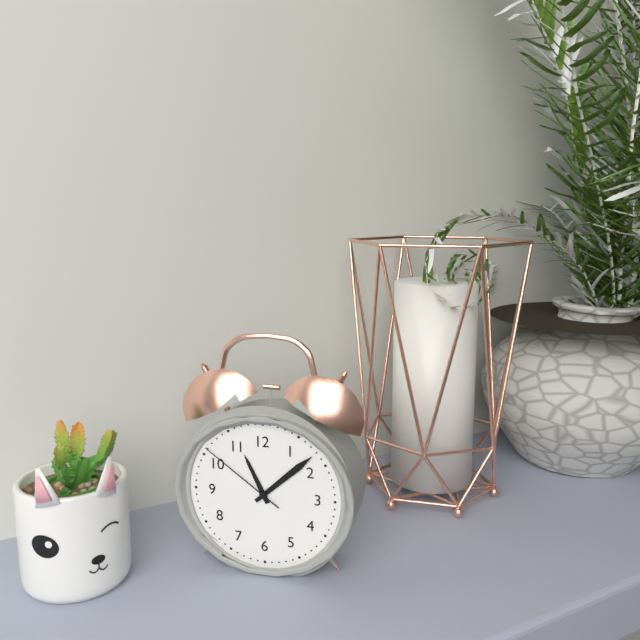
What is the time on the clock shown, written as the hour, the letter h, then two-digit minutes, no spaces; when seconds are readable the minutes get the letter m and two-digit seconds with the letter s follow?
11h08m51s
